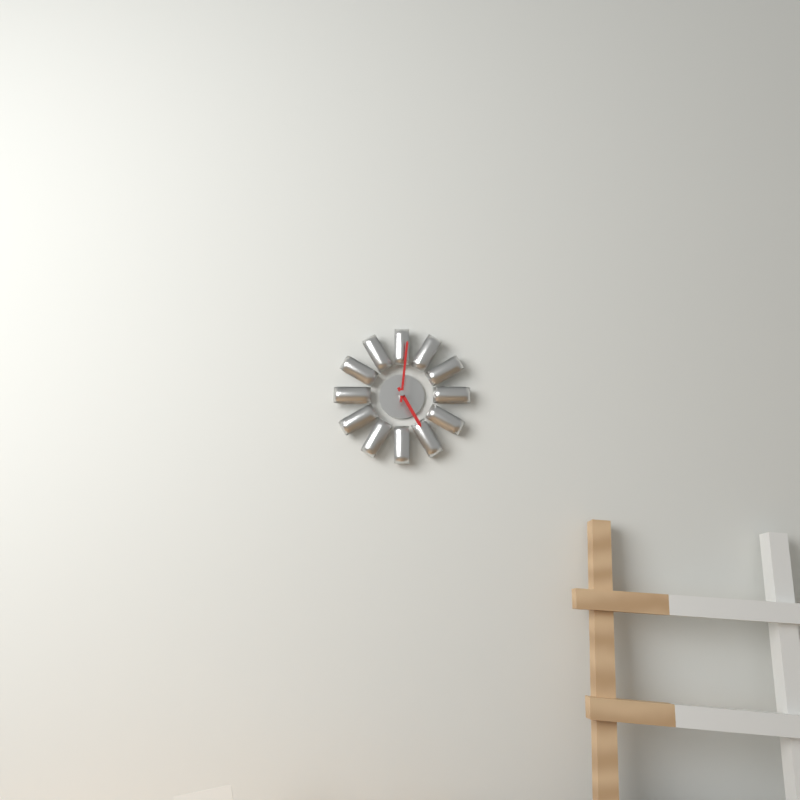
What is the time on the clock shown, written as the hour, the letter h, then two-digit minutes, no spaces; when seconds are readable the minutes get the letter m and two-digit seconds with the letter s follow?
5h01
